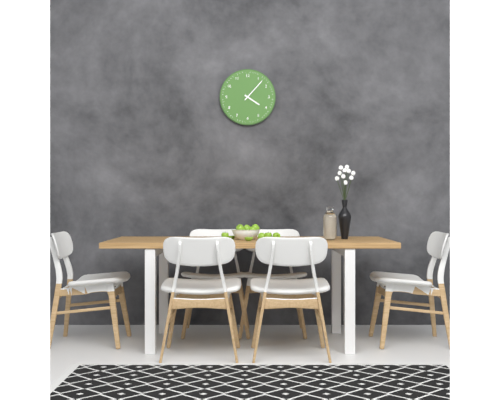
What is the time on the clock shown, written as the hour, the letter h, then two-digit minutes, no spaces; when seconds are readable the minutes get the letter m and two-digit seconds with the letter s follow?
4h07
